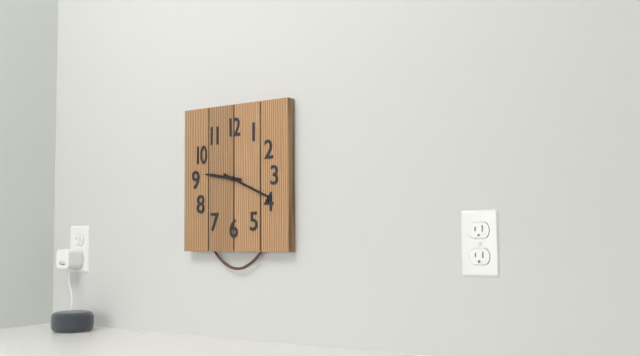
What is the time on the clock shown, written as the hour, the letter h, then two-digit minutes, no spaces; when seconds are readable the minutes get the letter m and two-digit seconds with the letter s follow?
9h19
